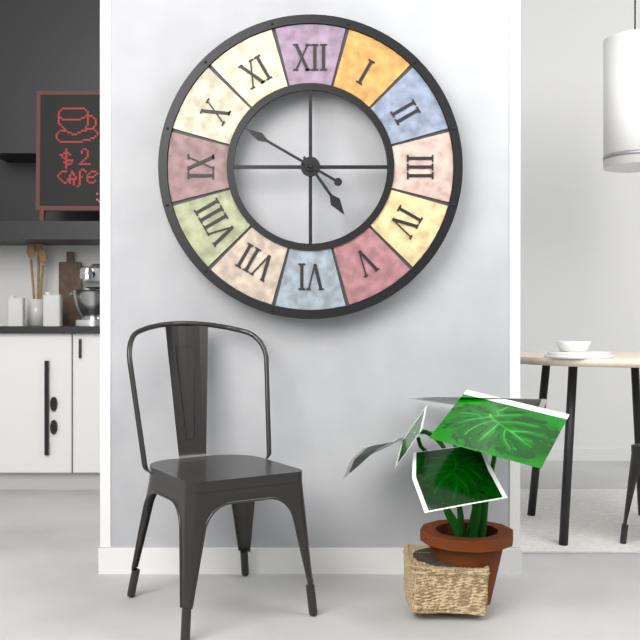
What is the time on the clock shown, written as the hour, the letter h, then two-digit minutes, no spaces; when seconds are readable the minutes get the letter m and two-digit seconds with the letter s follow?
4h50
